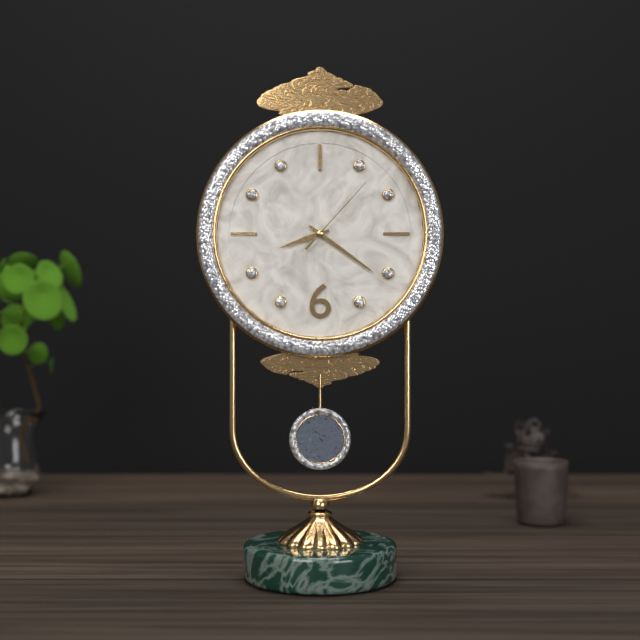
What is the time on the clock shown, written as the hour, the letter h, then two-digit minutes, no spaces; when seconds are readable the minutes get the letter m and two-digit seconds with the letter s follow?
8h21m07s
